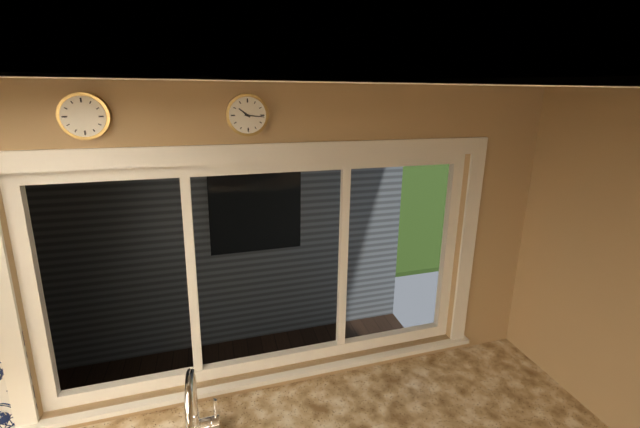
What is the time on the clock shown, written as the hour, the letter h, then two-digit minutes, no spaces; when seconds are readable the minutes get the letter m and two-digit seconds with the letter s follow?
10h16
